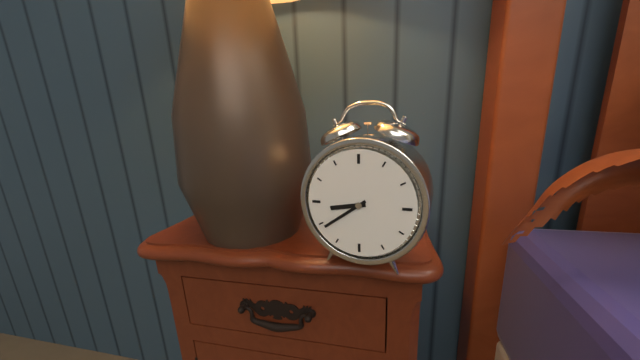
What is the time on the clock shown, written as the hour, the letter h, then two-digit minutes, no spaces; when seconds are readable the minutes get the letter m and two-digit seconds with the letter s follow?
8h39
